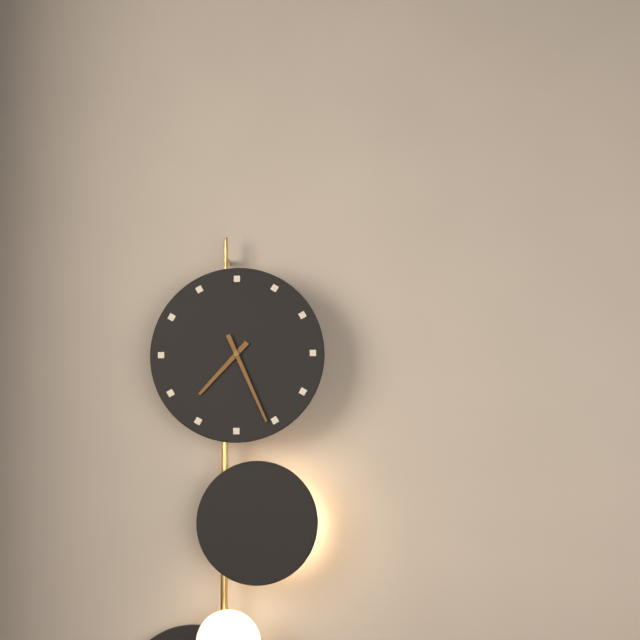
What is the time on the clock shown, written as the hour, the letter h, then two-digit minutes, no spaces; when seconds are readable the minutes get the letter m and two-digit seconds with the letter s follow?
7h26
